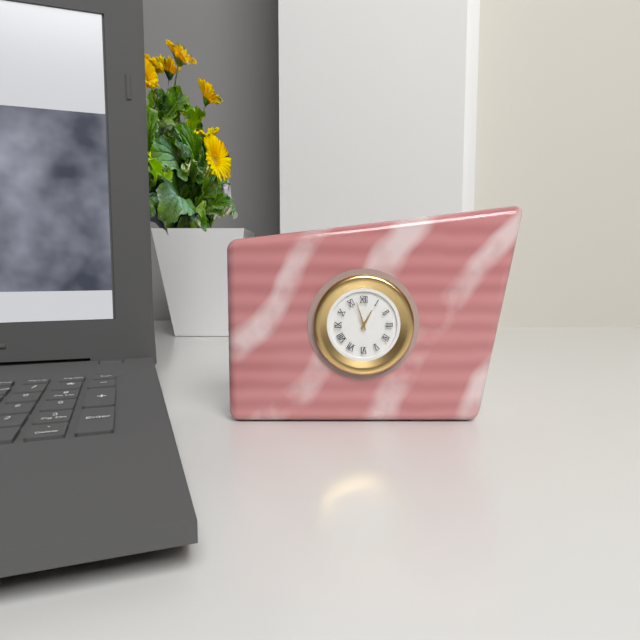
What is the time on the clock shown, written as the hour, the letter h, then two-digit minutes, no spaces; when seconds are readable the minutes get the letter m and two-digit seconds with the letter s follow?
12h57
